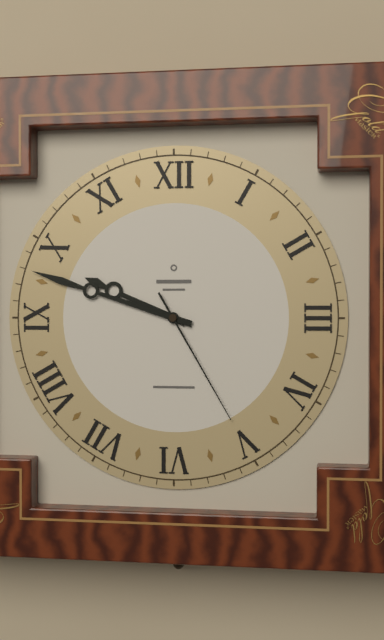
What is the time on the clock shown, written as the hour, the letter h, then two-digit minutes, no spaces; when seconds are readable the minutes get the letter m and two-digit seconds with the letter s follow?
9h48m25s
